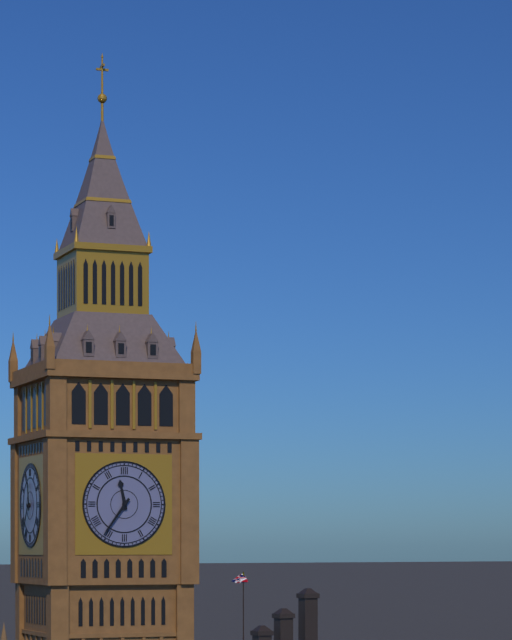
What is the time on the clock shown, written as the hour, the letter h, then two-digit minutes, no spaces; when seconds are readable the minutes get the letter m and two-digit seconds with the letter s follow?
11h36
